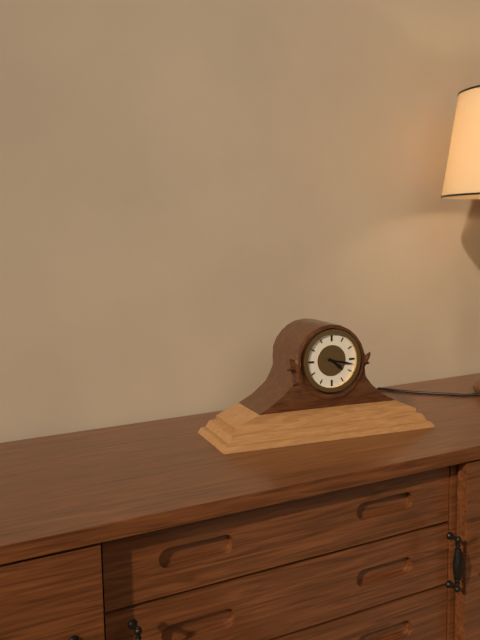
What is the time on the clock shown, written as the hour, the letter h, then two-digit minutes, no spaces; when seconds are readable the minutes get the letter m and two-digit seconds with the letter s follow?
4h17
